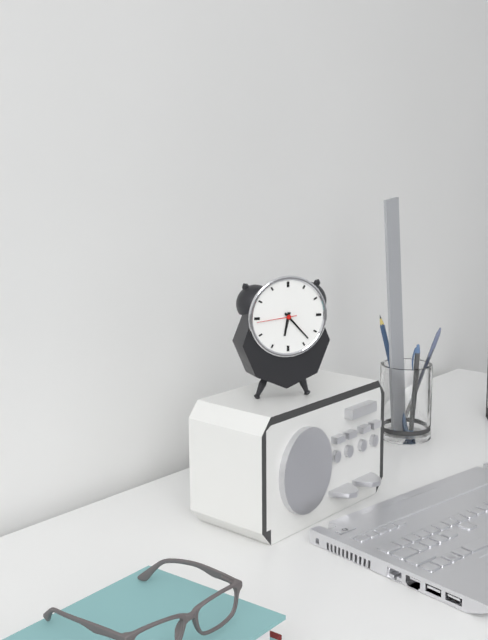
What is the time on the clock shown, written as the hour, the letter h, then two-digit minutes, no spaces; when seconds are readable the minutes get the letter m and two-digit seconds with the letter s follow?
6h23
